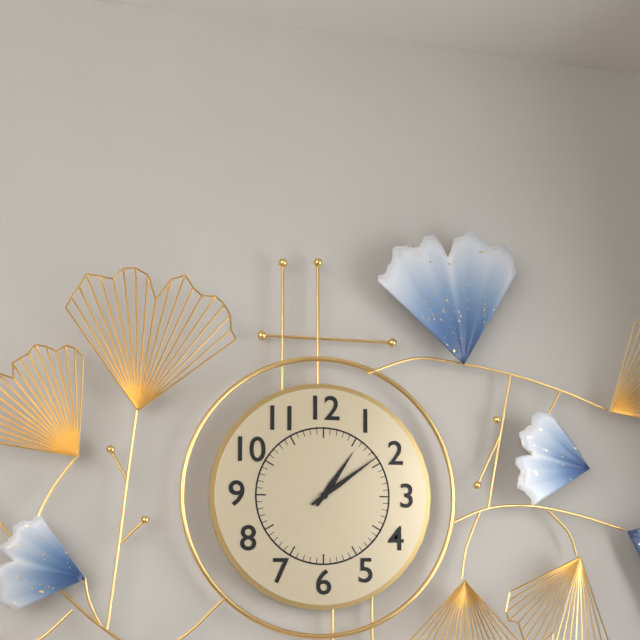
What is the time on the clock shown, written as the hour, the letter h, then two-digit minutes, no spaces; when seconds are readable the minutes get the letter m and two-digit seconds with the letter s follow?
1h09
